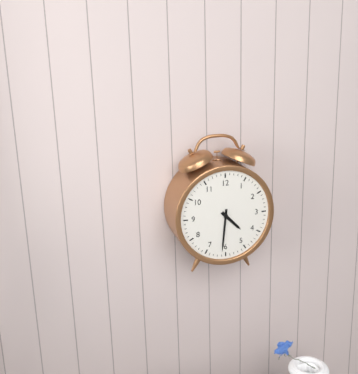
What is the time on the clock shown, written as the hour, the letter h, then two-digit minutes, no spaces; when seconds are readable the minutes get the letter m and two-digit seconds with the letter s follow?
4h31
